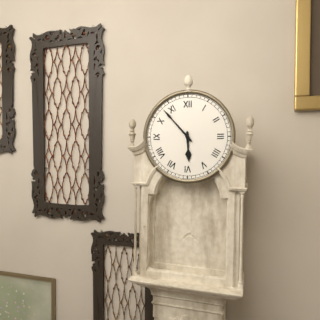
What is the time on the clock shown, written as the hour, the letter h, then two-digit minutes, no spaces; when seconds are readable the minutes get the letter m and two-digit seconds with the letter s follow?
5h53
